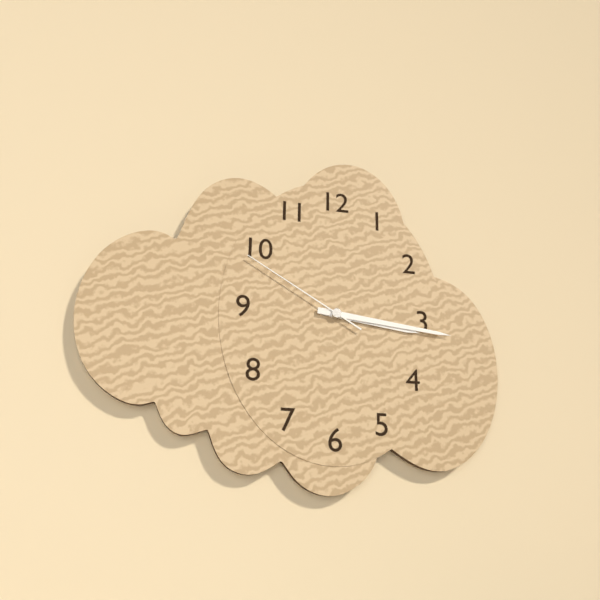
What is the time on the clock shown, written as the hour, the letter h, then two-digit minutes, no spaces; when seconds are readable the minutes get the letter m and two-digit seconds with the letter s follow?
3h16m50s
